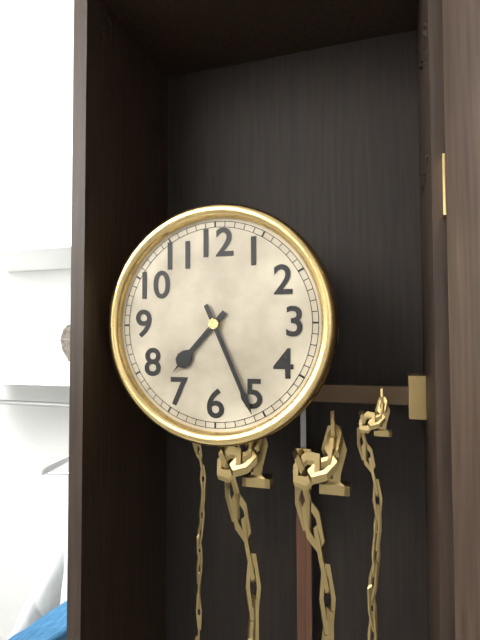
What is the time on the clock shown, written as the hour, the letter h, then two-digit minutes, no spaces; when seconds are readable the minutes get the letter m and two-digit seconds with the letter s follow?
7h26
